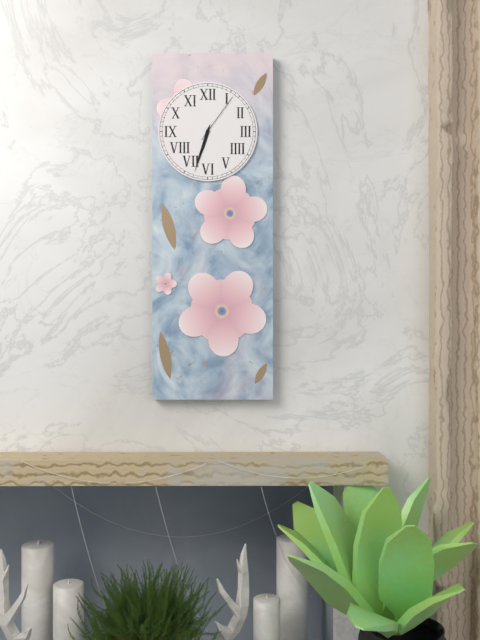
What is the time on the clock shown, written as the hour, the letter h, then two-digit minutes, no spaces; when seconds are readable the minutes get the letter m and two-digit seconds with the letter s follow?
6h33m06s
